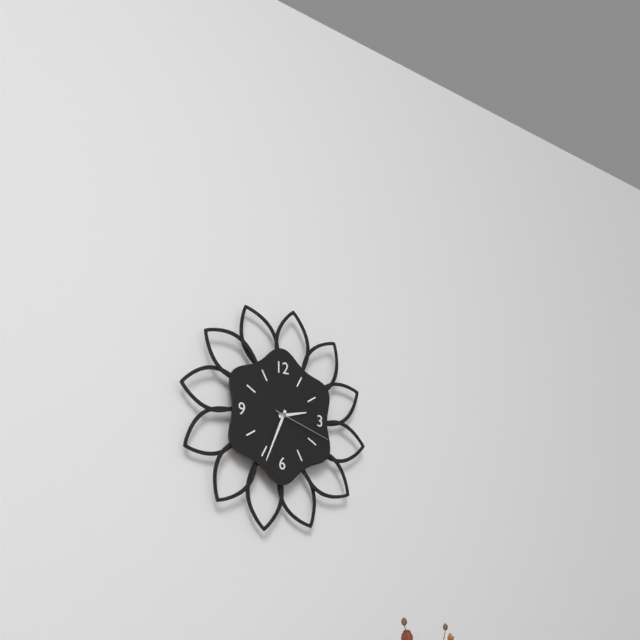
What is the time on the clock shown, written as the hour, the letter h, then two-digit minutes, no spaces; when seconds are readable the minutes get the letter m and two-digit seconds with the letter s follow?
2h34m18s
